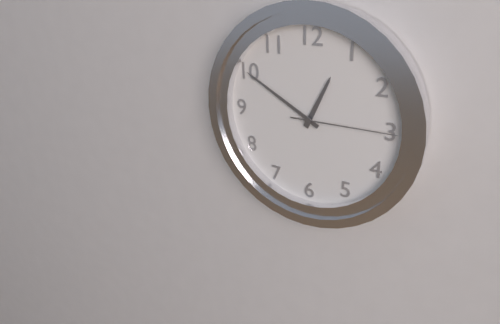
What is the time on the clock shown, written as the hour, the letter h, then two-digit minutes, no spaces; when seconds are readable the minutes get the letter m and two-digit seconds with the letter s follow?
12h50m15s
